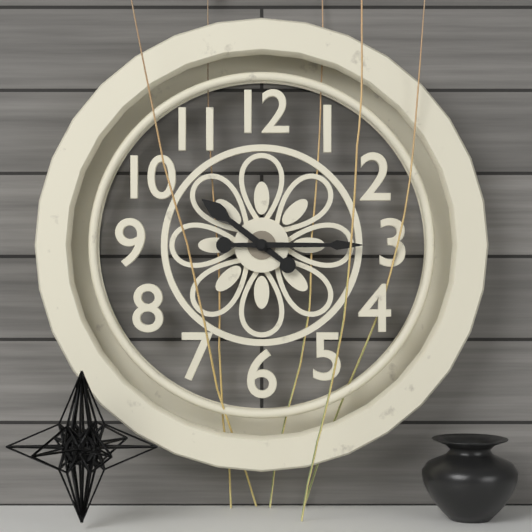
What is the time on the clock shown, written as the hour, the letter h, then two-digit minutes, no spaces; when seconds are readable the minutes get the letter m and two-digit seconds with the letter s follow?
10h15
